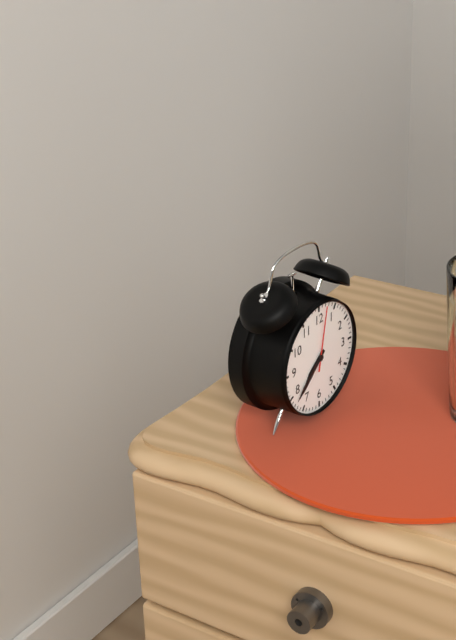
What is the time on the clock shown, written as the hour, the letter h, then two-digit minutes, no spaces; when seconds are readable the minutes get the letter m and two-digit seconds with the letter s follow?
7h38m02s
